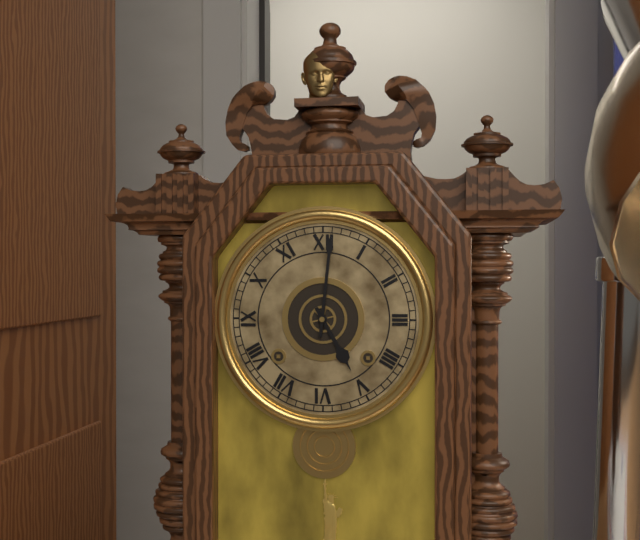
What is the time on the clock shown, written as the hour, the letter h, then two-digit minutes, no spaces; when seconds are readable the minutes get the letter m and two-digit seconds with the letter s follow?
5h01
